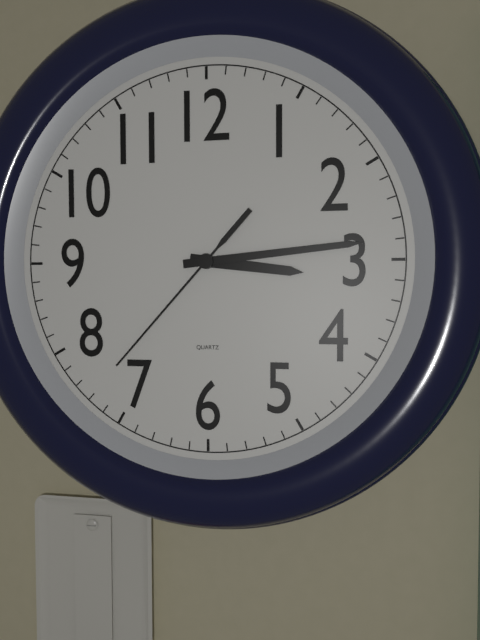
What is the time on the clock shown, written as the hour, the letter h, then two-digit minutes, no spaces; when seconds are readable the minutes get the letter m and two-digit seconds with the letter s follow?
3h14m37s
